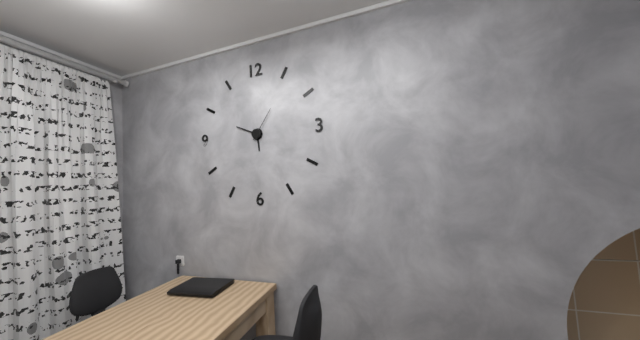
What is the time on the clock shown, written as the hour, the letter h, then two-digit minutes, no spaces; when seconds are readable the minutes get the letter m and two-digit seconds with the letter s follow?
5h49
